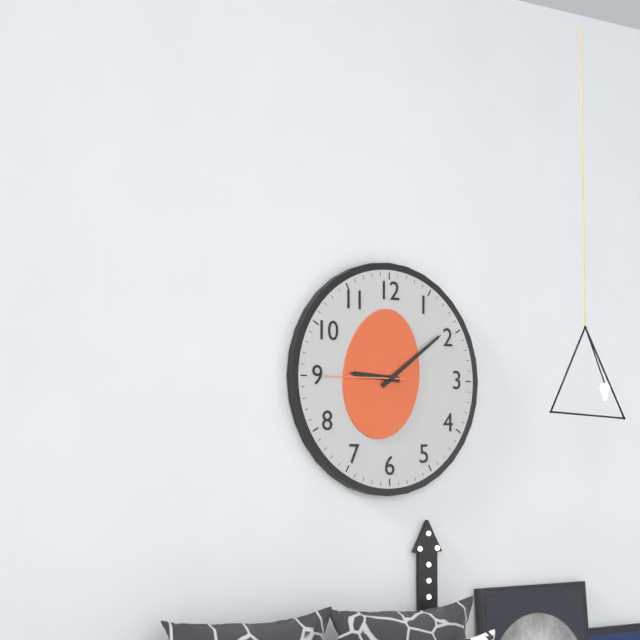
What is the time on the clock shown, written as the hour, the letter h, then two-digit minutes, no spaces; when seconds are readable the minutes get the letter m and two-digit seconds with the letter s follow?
9h09m45s
